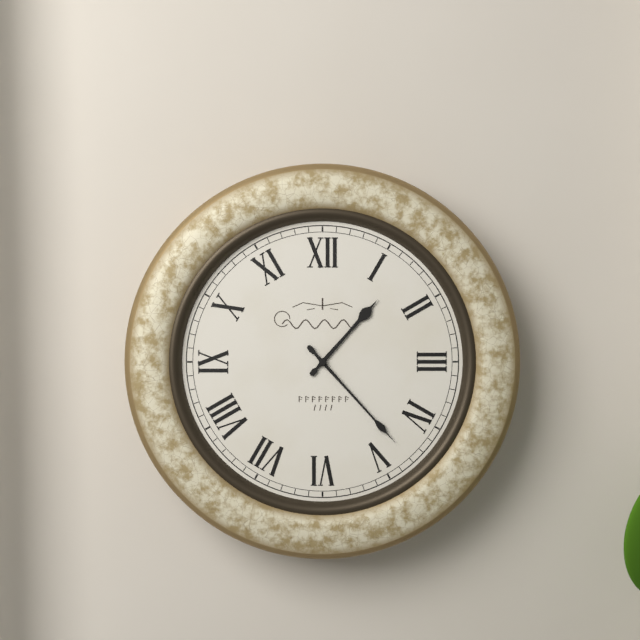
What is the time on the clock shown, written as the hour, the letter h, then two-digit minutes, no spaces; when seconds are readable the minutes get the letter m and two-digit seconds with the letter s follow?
1h23
